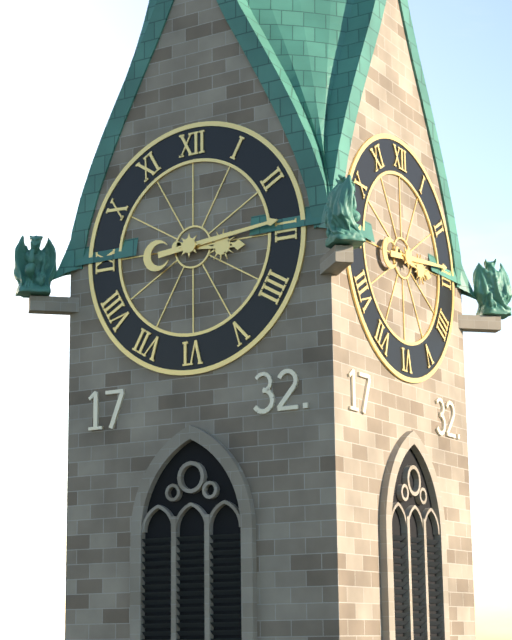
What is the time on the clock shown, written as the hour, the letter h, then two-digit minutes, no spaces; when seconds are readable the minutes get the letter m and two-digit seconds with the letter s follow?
3h14
